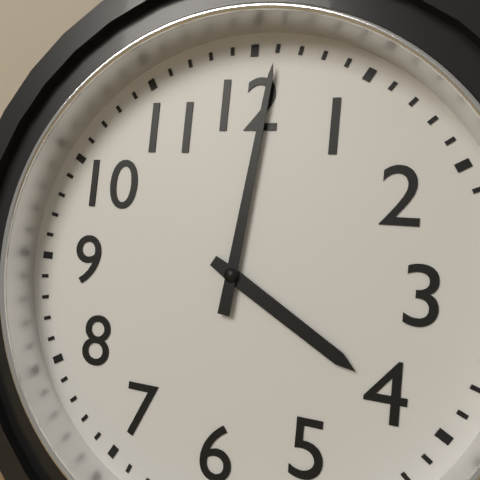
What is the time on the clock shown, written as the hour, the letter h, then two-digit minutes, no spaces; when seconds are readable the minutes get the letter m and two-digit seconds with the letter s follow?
4h01
